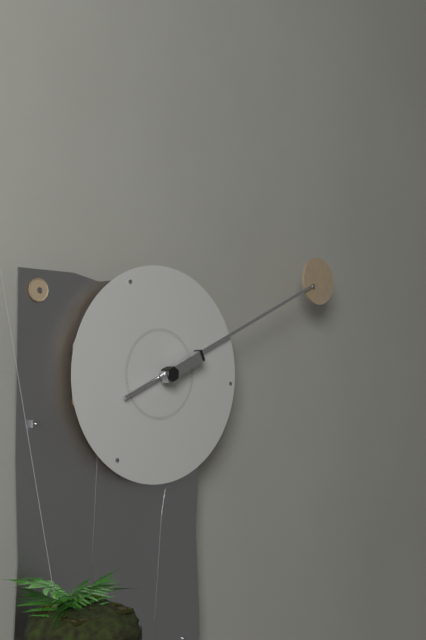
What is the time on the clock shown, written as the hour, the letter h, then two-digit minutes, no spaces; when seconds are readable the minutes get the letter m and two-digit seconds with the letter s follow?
2h11
